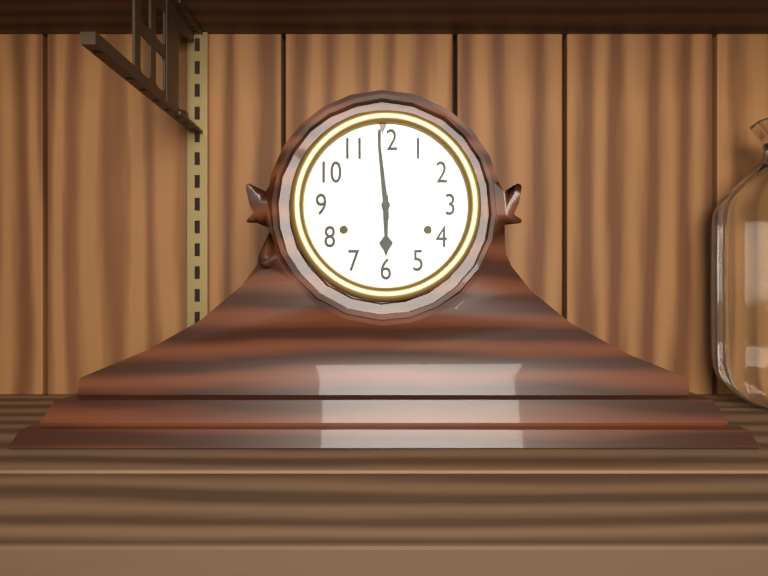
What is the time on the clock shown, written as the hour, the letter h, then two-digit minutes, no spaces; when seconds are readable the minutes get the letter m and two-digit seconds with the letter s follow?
5h59
